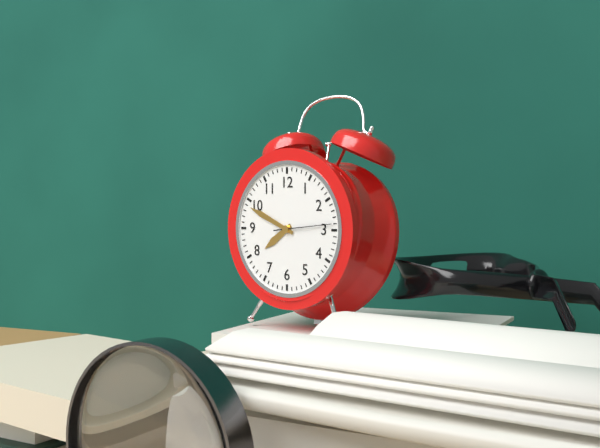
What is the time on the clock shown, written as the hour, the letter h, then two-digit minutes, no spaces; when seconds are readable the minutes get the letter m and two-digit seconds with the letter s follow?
7h49m14s
